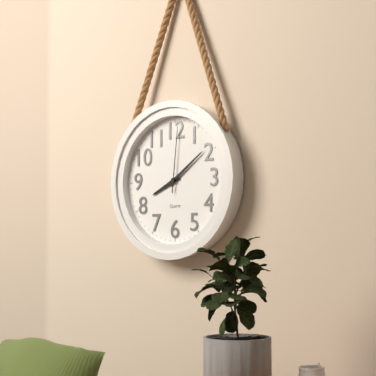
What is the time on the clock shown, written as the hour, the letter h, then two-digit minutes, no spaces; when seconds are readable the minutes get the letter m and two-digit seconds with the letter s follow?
8h09m01s
